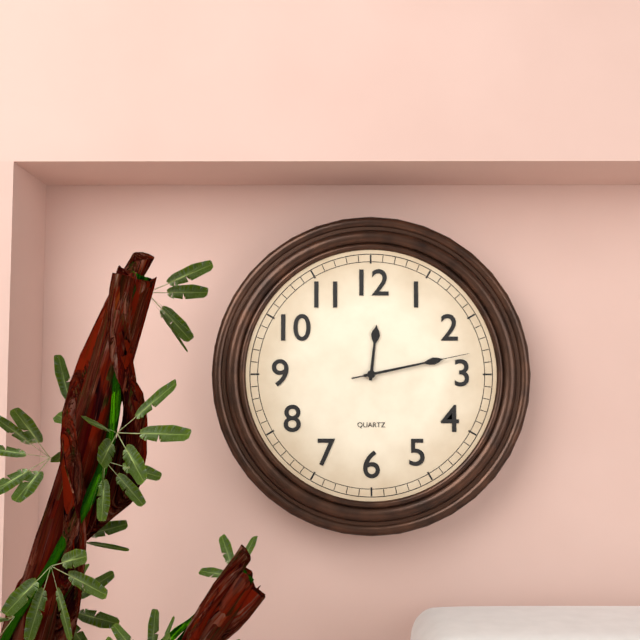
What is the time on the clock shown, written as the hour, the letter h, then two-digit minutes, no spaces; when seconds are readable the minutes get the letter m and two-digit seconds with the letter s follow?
12h13m13s
